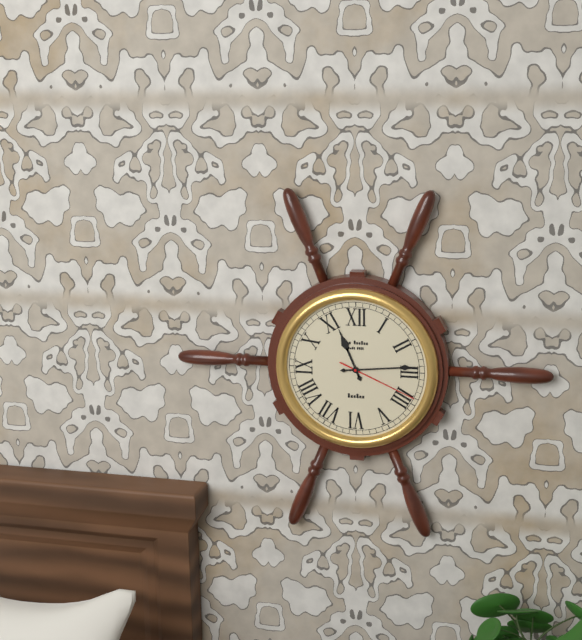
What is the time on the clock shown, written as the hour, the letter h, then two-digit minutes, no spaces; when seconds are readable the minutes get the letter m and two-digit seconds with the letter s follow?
11h14m19s
